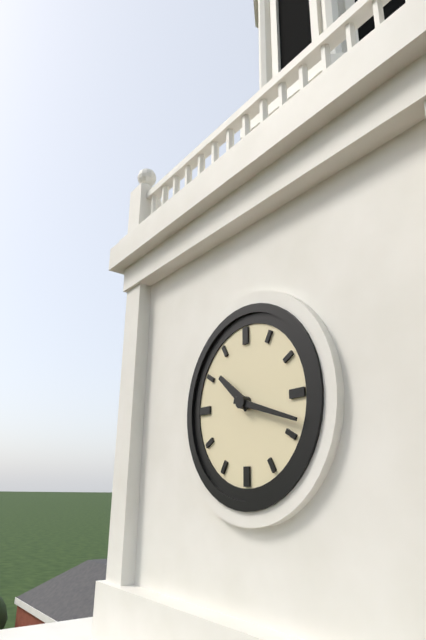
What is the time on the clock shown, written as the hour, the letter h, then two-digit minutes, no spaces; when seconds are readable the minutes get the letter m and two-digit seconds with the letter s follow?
10h18
